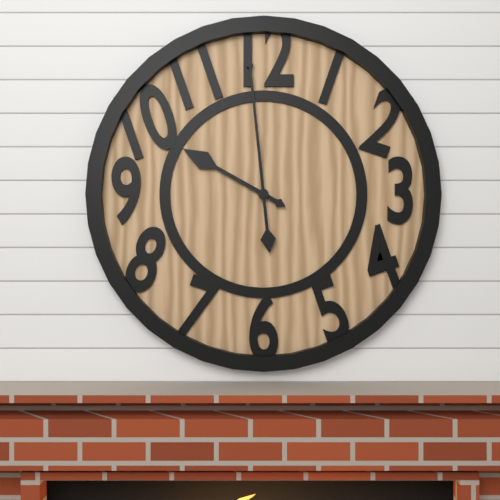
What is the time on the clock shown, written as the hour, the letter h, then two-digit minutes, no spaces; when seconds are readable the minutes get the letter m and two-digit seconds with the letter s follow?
9h59
